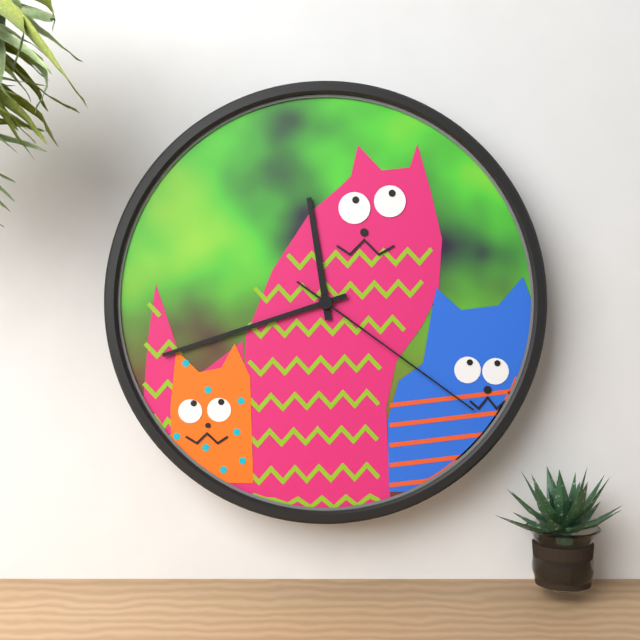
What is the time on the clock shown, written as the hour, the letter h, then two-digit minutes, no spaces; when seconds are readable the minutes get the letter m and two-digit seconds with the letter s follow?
11h42m21s
